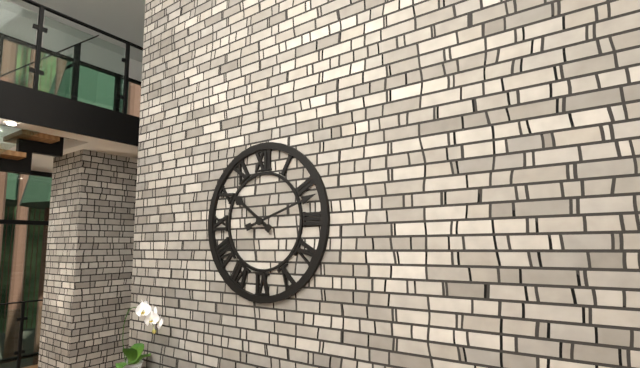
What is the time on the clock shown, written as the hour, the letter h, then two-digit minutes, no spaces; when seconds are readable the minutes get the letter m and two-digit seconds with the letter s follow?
10h12
